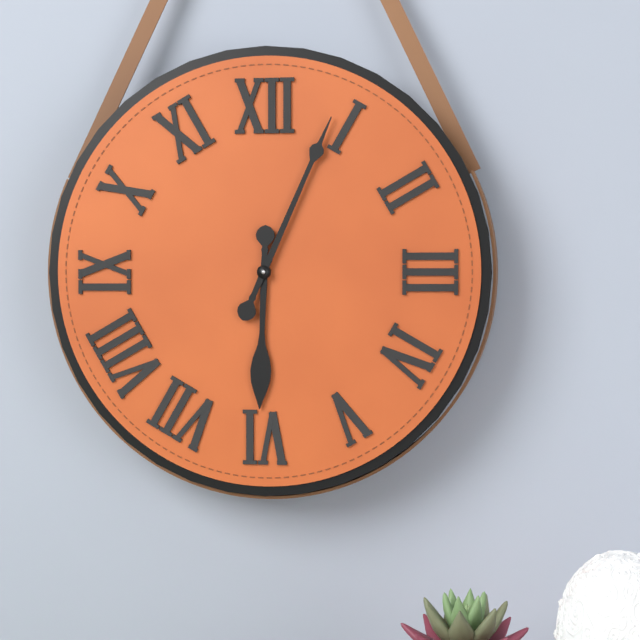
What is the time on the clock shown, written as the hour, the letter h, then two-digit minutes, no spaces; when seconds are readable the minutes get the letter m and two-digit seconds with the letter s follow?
6h04
